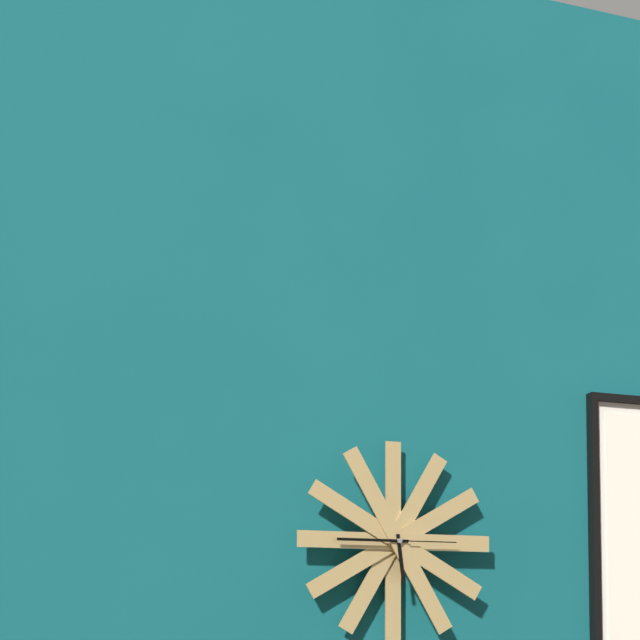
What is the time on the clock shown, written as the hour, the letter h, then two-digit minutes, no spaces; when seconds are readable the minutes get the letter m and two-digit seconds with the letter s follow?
5h45m15s
